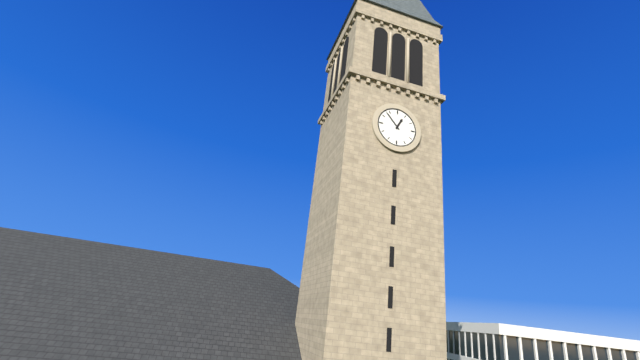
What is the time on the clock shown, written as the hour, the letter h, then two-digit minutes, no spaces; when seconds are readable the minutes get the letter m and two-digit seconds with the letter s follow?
12h53
